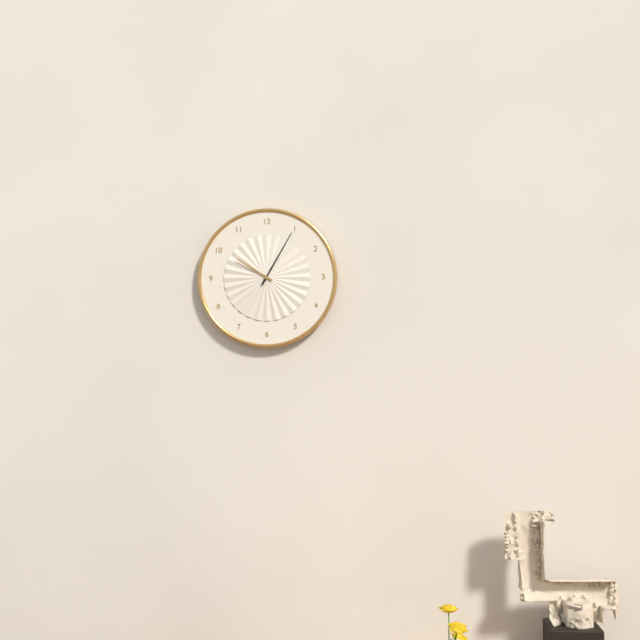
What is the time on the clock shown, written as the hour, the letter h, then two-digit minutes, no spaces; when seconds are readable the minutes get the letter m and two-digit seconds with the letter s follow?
10h05
